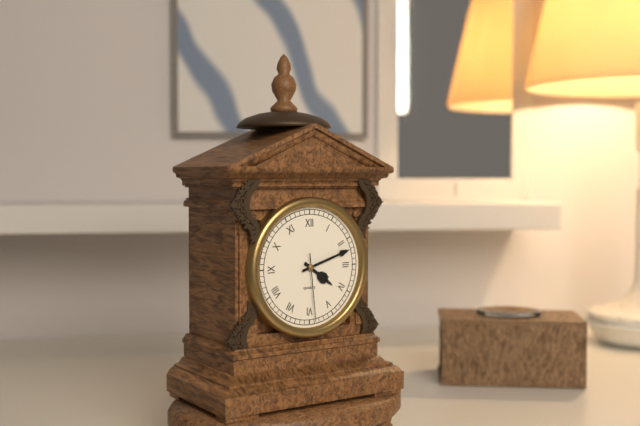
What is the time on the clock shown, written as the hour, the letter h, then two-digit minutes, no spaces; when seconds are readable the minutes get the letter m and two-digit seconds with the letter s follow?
4h12m29s
